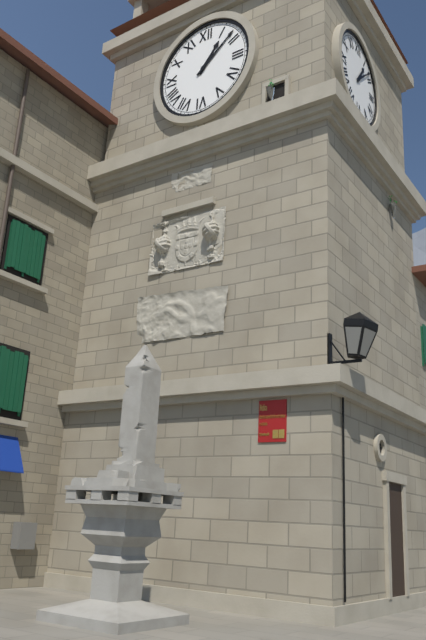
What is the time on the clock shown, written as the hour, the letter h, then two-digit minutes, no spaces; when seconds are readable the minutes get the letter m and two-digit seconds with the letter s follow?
1h08
